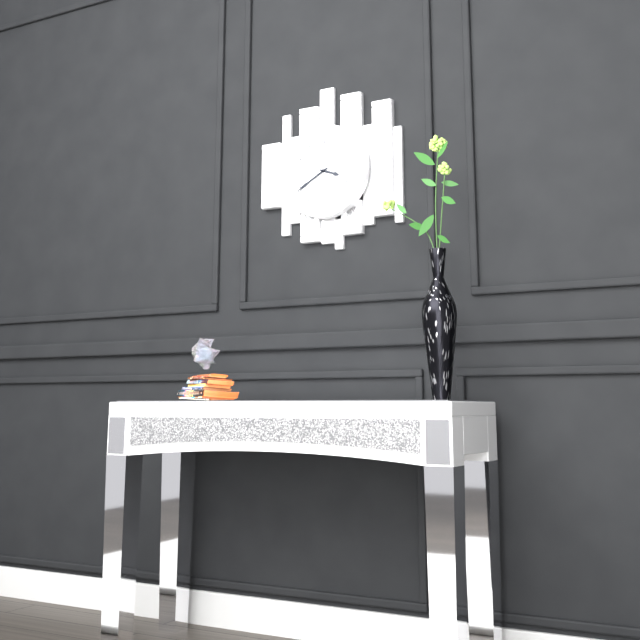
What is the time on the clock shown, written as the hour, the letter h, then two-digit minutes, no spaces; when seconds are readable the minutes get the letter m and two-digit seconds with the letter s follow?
3h40
